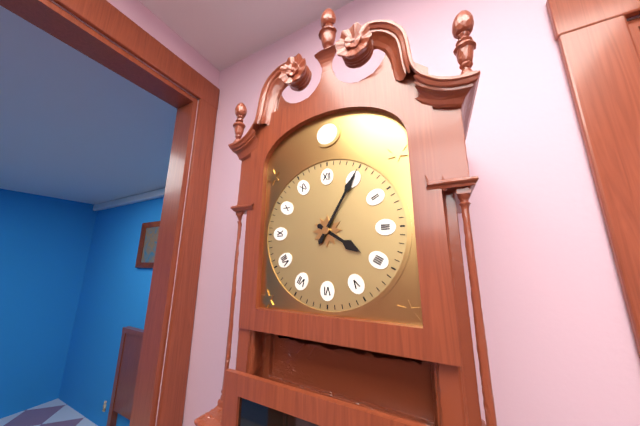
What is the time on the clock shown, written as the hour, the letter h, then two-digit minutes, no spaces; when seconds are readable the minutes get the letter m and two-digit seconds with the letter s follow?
4h05
